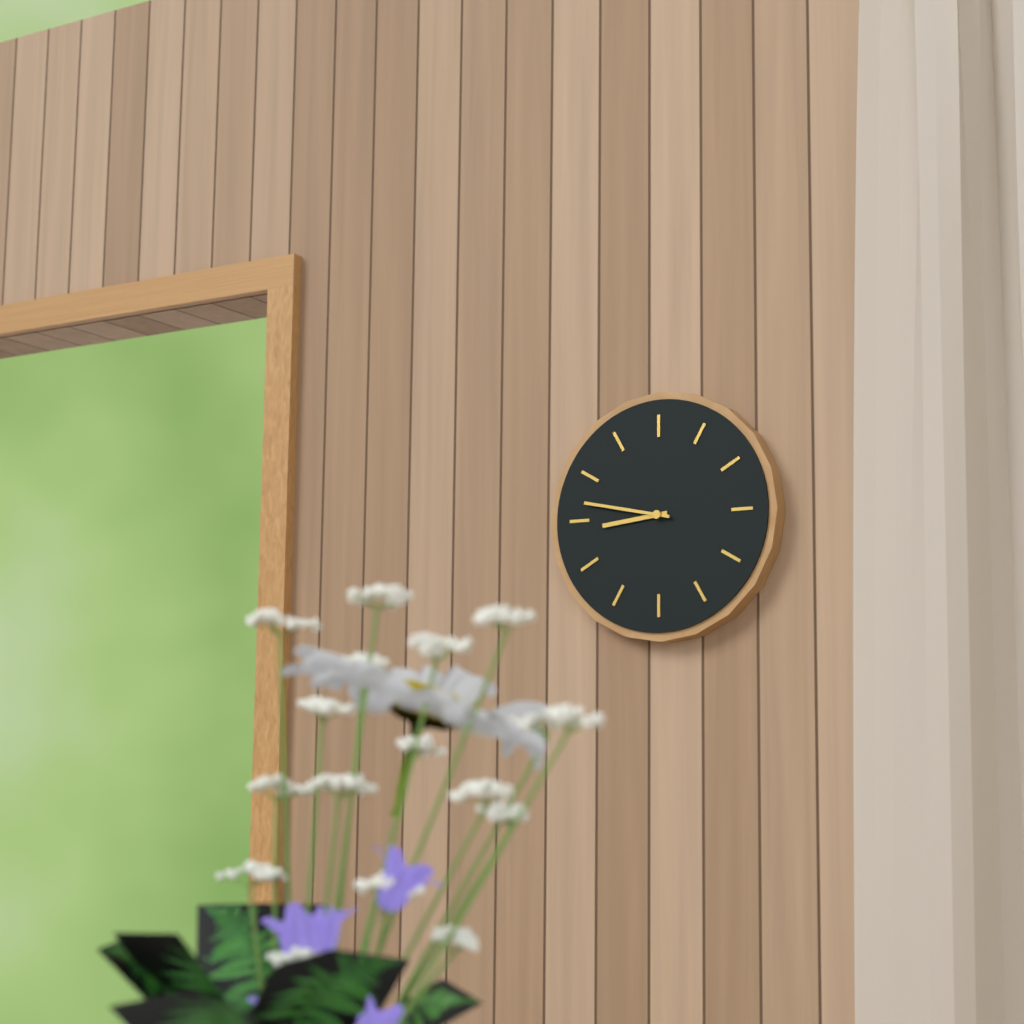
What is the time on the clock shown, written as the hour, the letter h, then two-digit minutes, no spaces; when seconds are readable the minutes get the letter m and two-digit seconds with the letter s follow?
8h47
